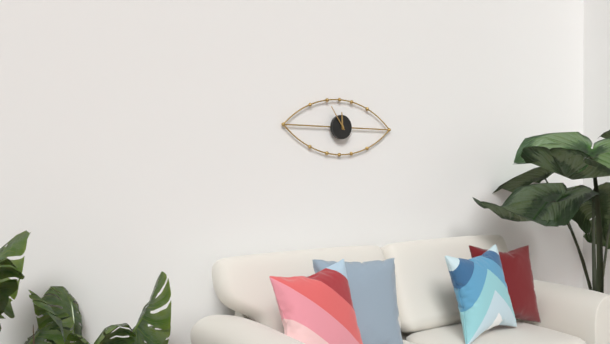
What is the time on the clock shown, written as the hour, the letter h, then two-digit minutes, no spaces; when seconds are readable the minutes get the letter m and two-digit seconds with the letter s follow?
11h54
